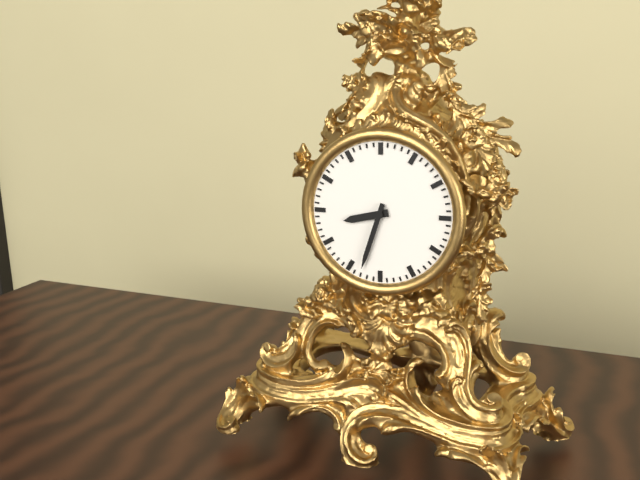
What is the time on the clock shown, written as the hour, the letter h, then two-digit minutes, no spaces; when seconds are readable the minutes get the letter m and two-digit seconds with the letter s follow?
8h33
